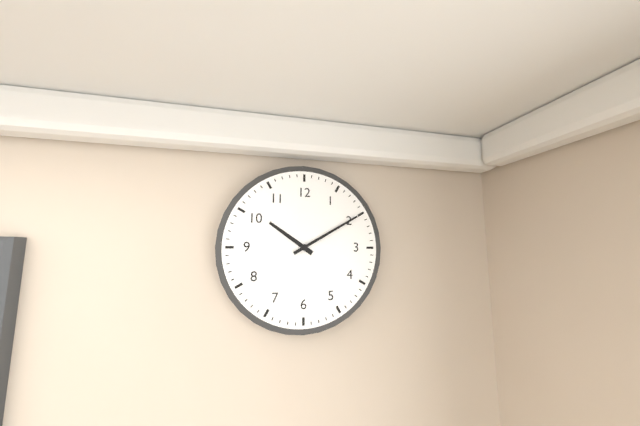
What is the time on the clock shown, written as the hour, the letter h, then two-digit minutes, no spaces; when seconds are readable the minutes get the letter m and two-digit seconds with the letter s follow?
10h10
